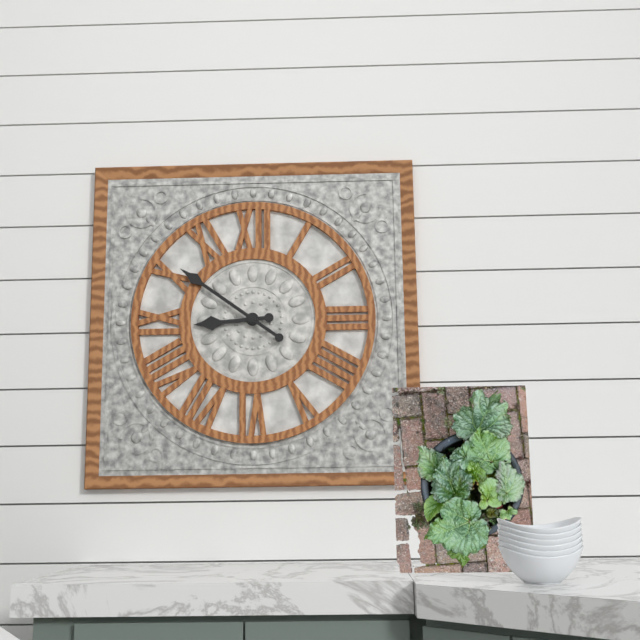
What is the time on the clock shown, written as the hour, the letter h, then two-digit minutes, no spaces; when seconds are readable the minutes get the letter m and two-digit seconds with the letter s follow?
8h51
